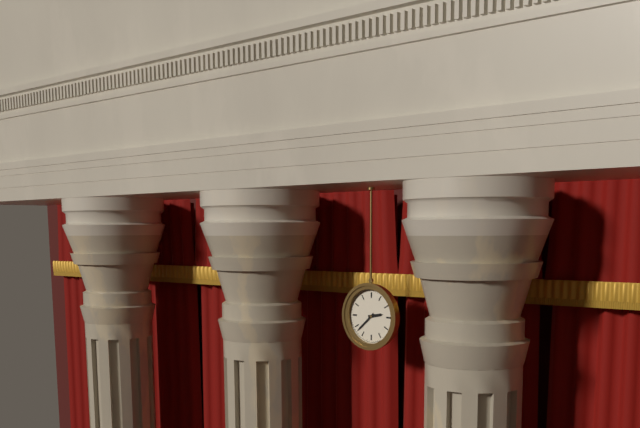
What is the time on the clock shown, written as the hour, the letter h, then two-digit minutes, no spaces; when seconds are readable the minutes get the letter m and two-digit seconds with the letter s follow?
2h38
